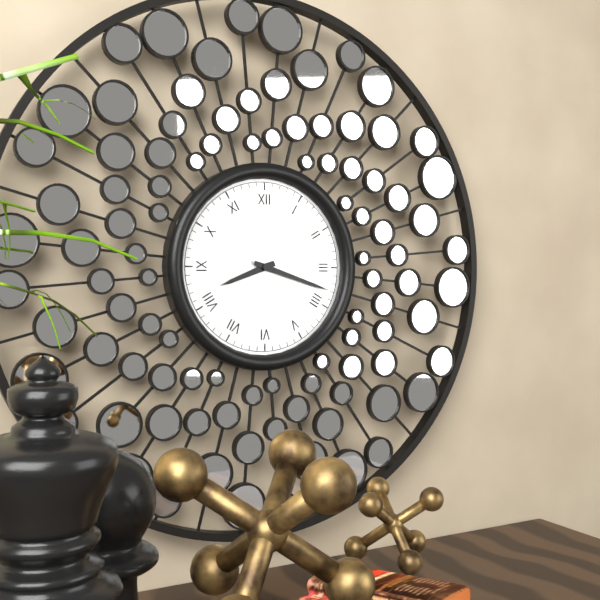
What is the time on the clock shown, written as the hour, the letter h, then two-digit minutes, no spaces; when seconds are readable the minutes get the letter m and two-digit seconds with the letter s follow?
8h18
